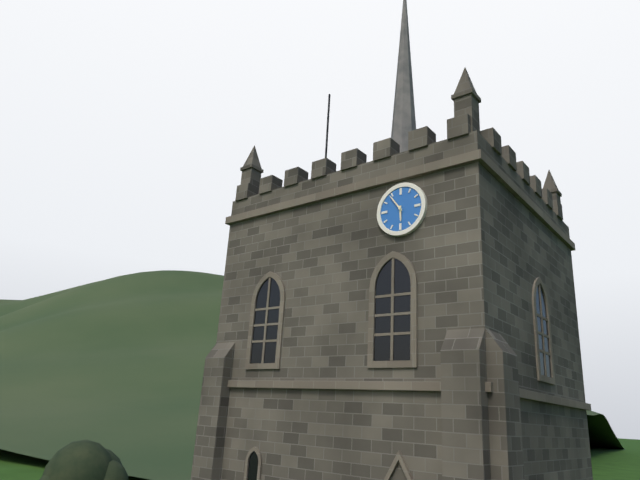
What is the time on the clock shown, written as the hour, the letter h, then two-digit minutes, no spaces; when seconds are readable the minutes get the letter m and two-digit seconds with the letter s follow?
5h54
